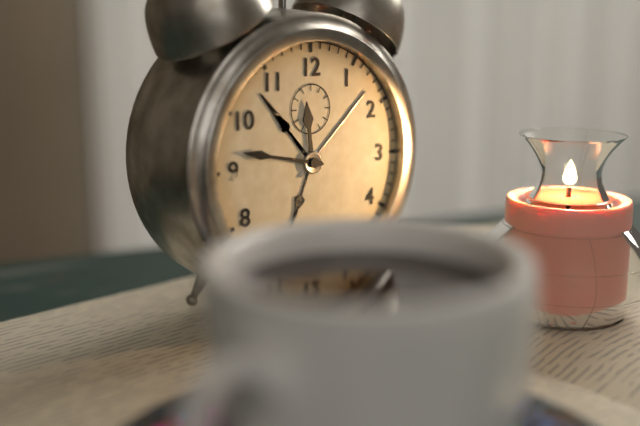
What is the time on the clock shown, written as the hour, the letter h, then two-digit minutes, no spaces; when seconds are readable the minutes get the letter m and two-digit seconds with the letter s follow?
11h47
